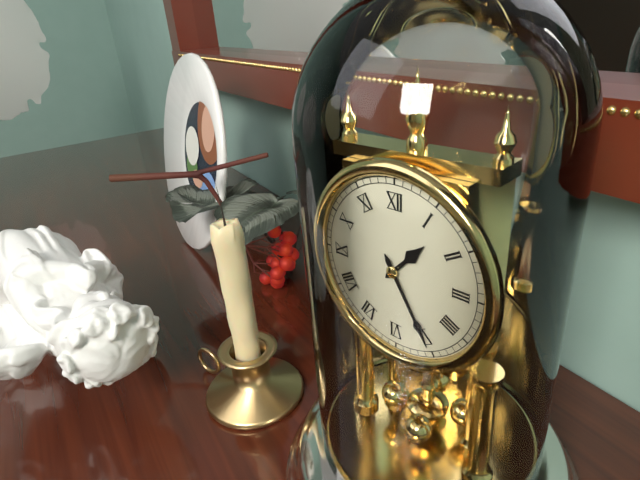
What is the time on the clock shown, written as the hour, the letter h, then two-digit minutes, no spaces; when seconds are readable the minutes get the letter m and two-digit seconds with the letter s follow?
1h25
